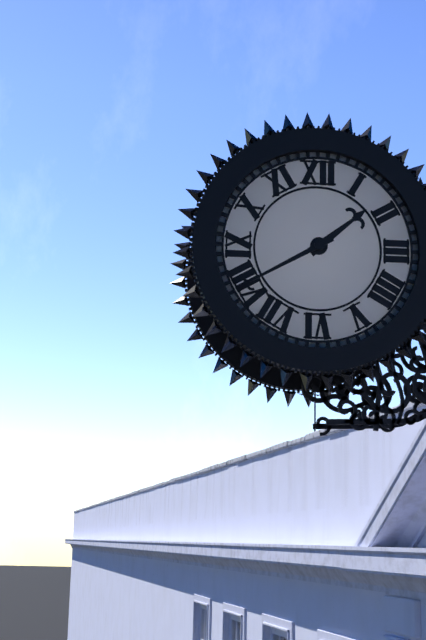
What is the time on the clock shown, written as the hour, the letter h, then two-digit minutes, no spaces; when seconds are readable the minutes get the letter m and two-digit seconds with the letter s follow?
1h40
